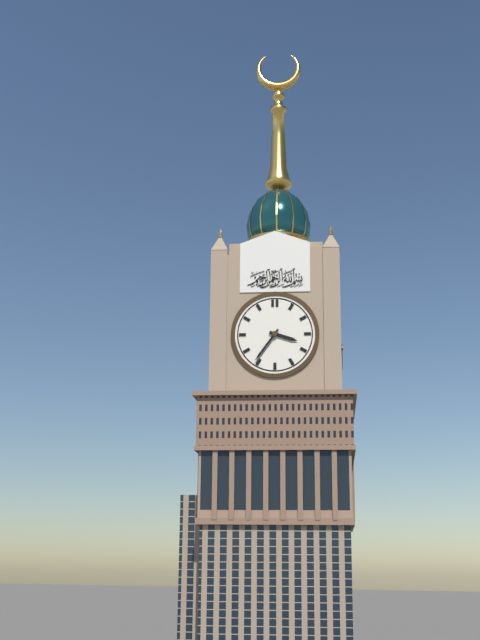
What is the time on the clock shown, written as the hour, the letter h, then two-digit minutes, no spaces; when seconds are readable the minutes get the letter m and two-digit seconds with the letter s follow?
3h36
